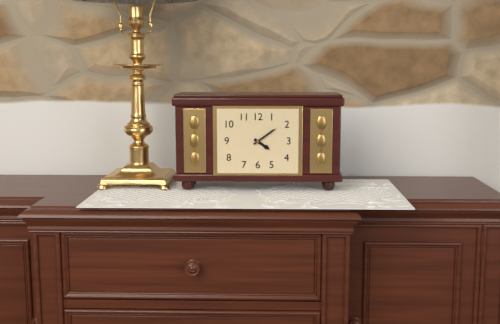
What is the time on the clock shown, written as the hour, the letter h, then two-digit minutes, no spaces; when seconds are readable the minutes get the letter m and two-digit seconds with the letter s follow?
4h09
